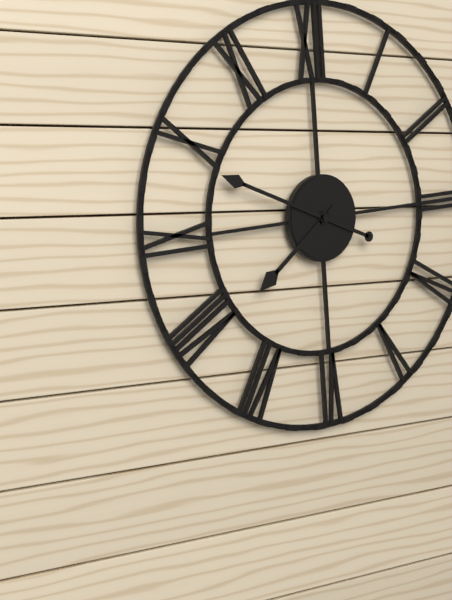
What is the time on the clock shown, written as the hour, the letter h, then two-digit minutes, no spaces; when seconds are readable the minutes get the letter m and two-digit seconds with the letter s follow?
7h49
